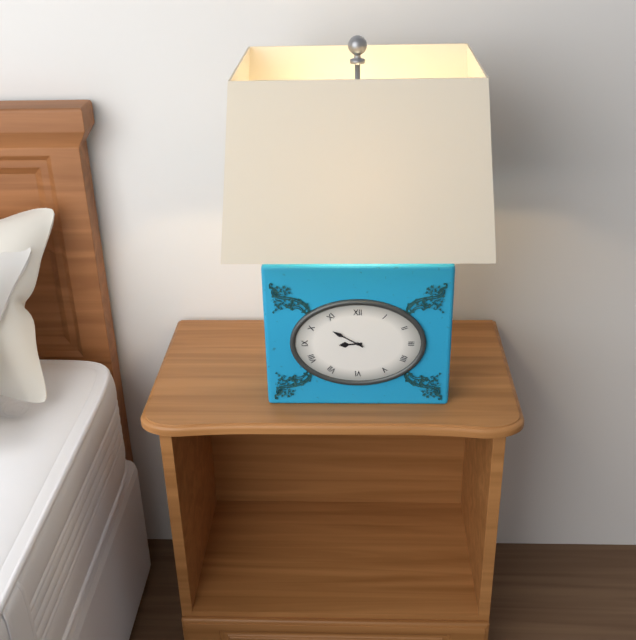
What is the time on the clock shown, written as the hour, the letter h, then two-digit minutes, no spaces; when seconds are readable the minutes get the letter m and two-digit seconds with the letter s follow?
8h50
